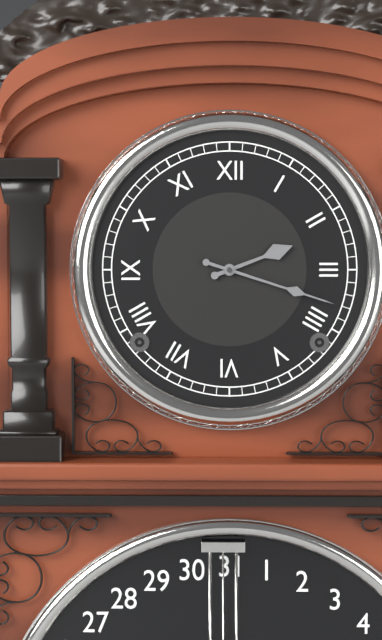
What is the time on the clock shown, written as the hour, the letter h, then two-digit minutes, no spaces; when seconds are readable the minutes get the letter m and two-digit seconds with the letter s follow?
2h18
